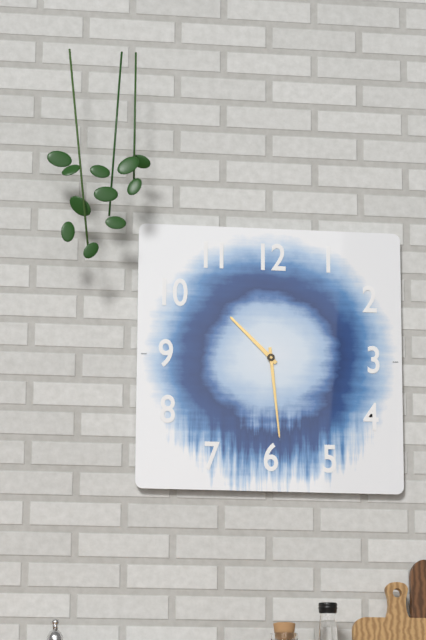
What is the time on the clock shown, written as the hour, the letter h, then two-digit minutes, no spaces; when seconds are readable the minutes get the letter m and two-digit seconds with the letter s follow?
10h29
